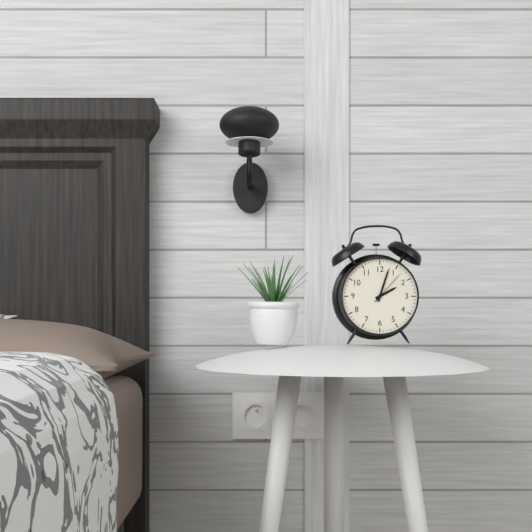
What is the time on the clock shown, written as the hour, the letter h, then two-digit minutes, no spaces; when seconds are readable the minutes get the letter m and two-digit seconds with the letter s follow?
2h03
